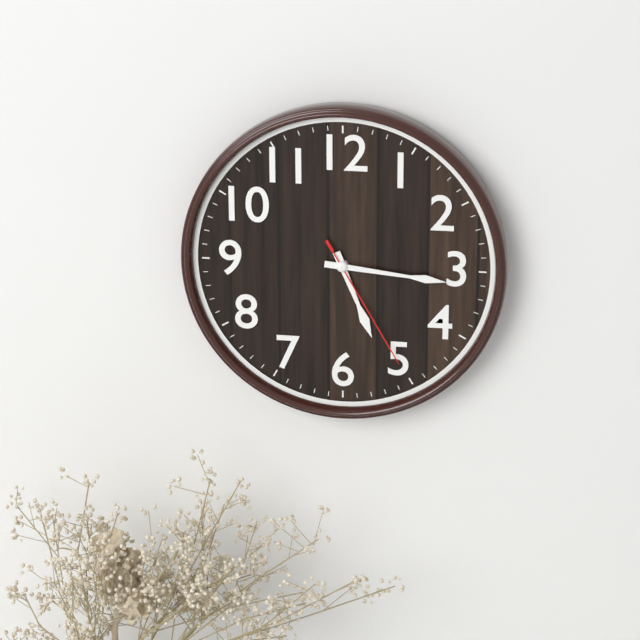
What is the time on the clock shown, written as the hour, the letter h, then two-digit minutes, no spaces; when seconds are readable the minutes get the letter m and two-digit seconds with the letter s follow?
5h16m25s
